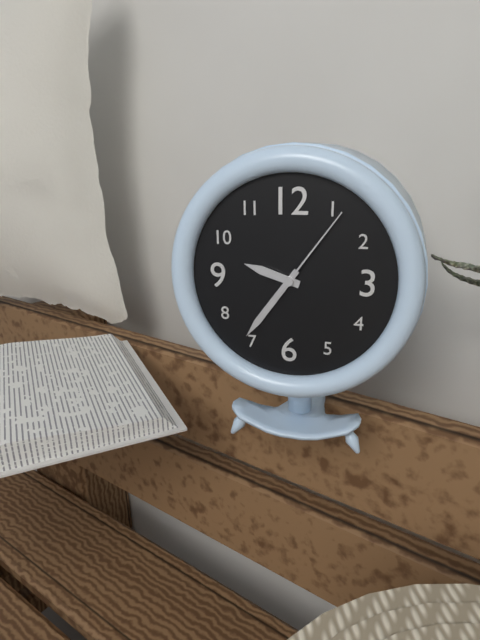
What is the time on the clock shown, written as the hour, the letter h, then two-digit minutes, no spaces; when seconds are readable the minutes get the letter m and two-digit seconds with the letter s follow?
9h36m06s
